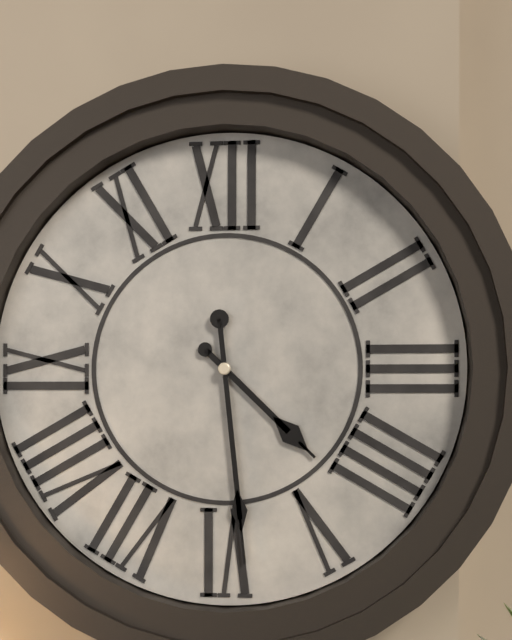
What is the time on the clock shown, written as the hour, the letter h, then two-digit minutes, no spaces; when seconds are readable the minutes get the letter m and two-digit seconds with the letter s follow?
4h29
